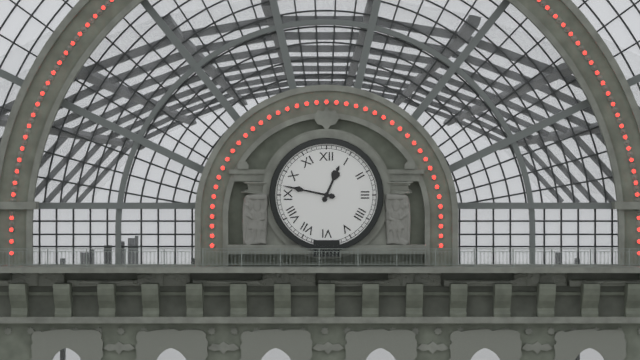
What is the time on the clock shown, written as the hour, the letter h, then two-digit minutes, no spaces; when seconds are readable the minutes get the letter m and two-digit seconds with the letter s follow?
12h47
